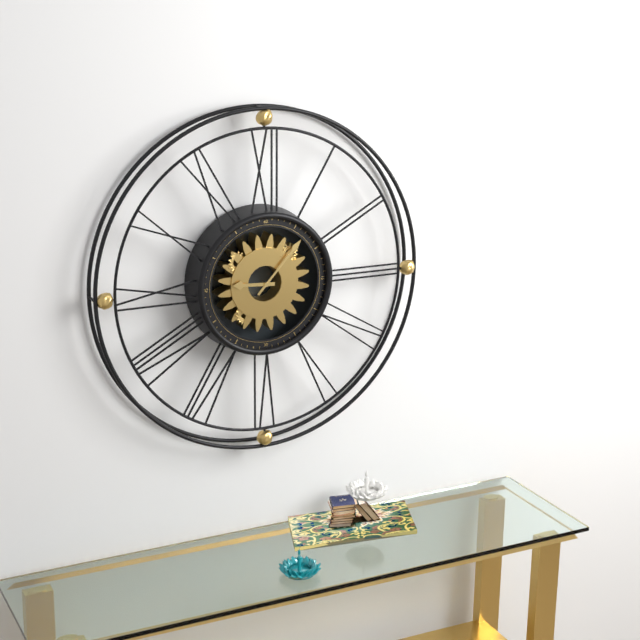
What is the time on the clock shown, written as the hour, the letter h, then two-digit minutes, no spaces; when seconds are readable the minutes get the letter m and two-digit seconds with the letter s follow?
9h07
